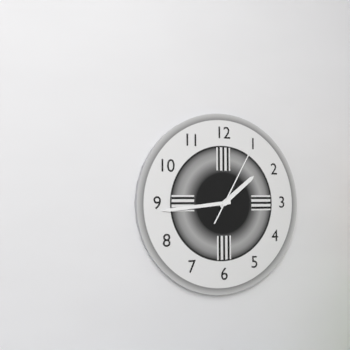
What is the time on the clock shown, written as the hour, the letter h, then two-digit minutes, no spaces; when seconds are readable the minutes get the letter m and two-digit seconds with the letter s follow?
1h44m05s
